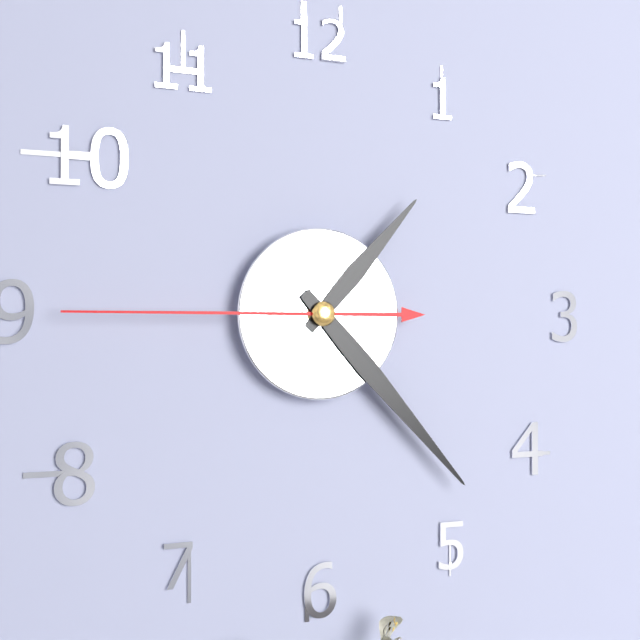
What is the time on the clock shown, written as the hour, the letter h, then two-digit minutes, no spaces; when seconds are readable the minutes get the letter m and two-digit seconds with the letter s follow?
1h23m45s
